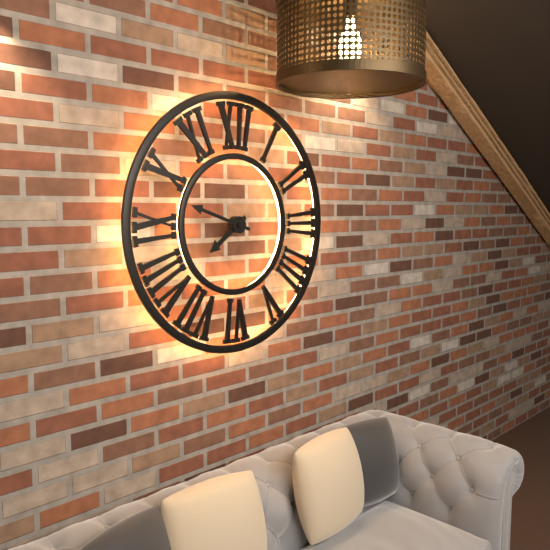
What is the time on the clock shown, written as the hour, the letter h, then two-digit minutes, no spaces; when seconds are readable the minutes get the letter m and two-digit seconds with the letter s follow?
7h48
